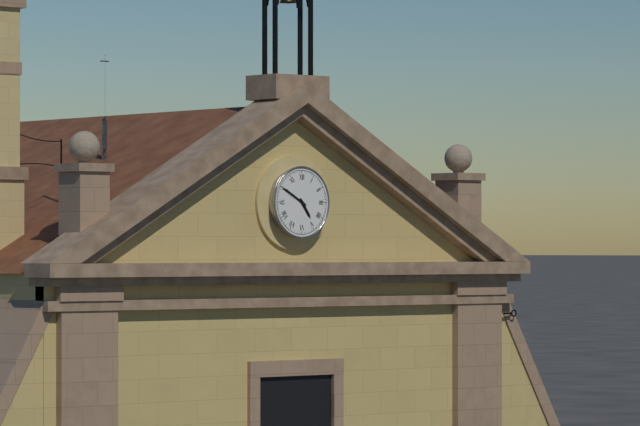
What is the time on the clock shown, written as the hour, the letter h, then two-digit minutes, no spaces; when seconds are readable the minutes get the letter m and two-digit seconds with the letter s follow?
4h50
